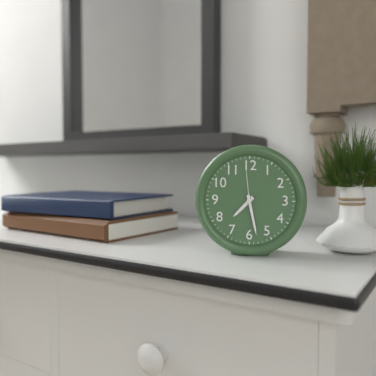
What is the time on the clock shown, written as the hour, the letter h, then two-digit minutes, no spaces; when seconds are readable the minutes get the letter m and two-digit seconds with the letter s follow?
7h28
